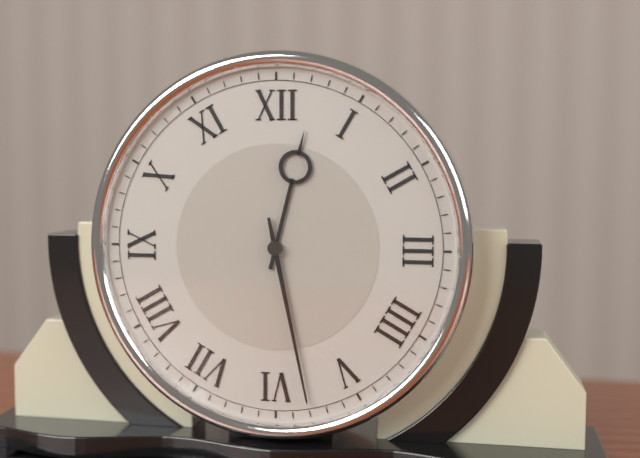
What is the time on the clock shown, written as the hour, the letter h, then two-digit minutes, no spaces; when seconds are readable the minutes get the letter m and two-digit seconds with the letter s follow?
12h28
